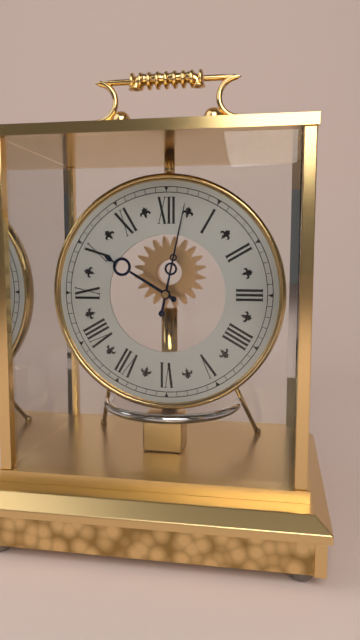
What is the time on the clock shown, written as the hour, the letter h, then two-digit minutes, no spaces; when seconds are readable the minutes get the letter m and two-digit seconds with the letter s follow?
10h02
